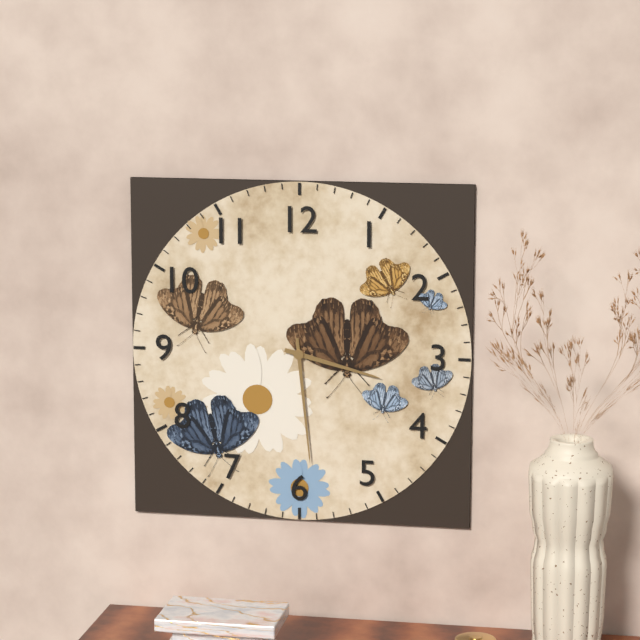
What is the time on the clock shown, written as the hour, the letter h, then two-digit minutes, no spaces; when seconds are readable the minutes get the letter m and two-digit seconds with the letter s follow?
3h29
